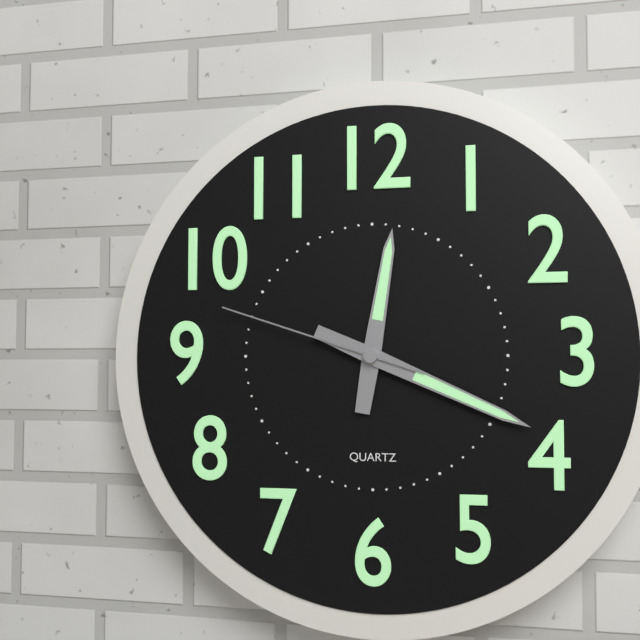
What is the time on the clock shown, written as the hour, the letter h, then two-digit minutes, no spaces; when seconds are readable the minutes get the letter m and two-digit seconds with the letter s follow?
12h19m48s
